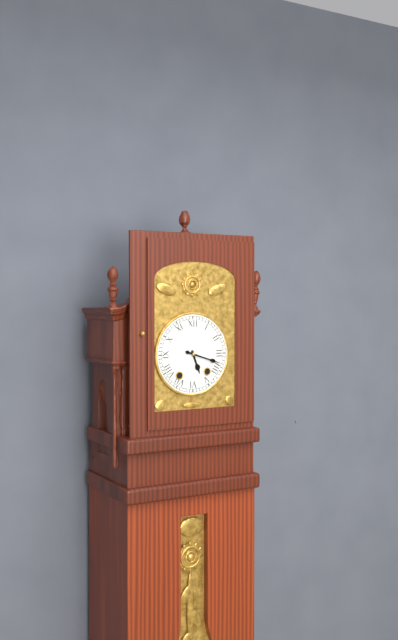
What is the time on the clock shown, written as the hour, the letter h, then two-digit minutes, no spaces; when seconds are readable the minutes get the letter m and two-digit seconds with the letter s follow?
5h18
